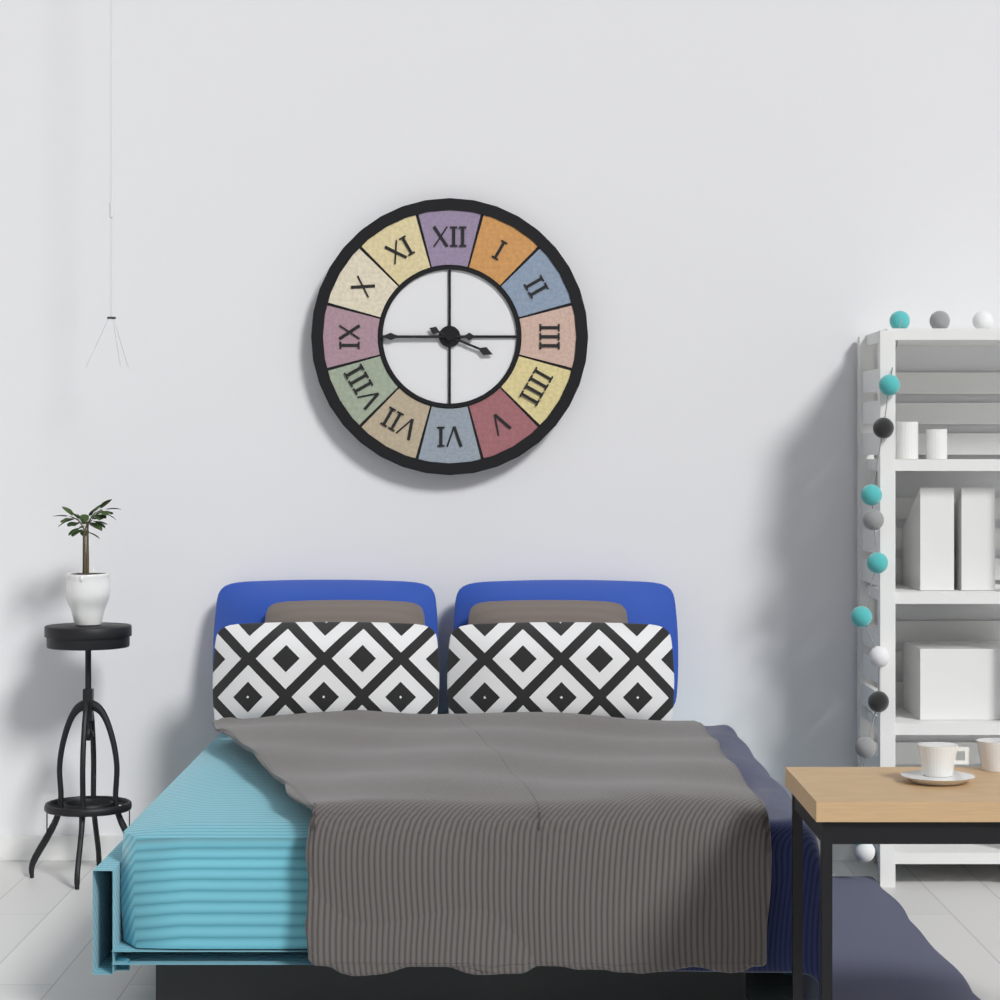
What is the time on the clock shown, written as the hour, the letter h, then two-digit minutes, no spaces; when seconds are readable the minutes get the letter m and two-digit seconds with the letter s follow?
3h45
